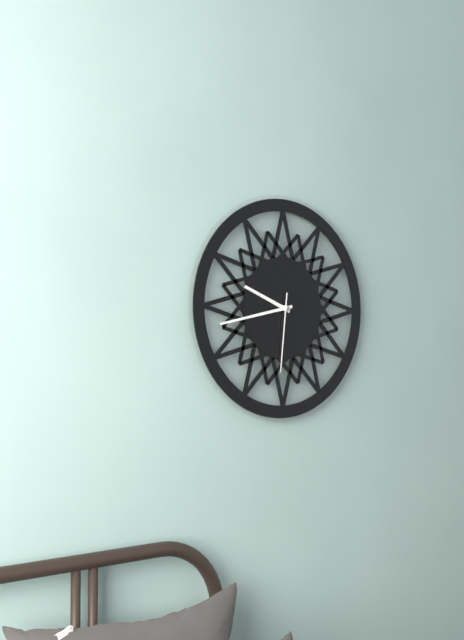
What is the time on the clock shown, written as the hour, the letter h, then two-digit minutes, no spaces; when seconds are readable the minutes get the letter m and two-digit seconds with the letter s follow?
9h43m31s
